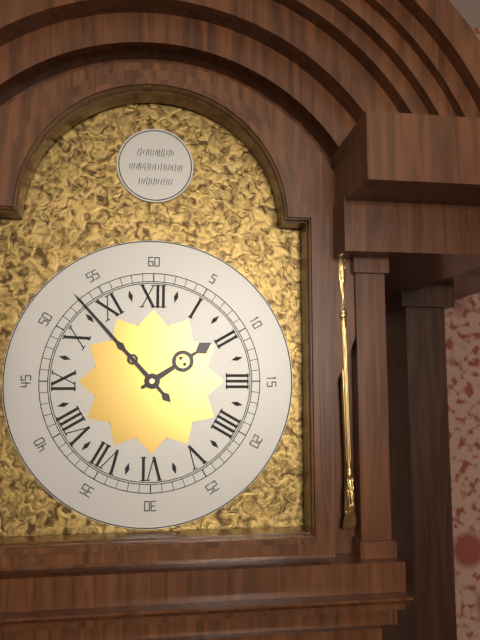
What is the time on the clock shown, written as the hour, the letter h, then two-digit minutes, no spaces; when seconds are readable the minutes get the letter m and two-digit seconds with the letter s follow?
1h53
